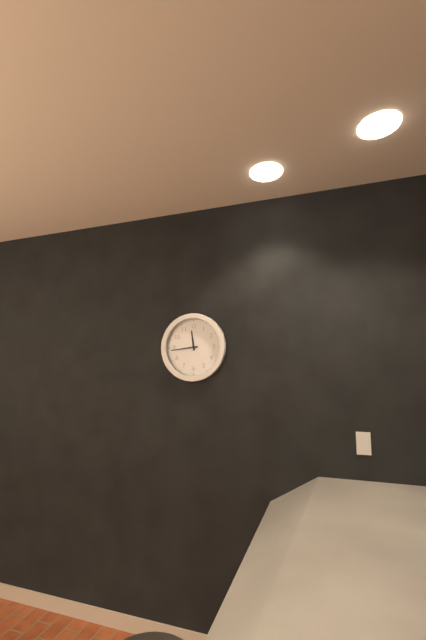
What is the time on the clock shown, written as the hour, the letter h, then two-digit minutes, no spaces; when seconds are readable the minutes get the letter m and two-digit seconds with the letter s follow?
11h44
